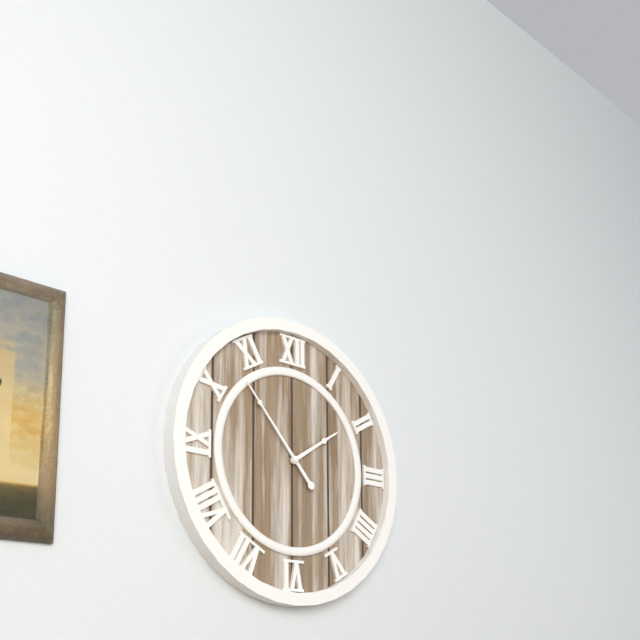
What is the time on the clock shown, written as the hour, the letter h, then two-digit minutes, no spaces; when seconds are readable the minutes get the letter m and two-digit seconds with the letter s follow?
1h53
